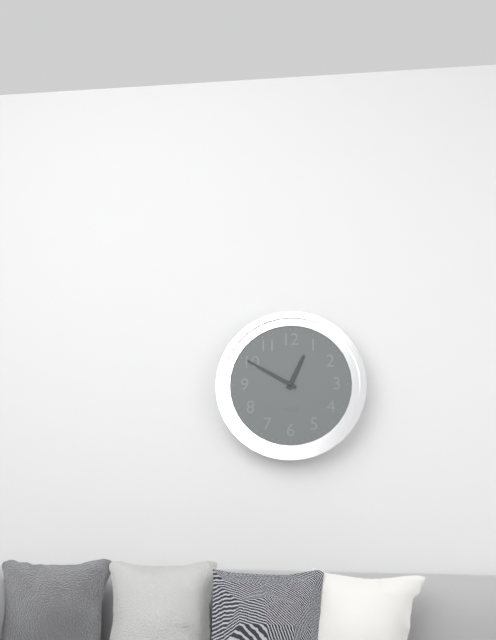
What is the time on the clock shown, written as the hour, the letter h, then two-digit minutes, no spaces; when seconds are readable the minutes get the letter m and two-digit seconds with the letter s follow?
12h50
